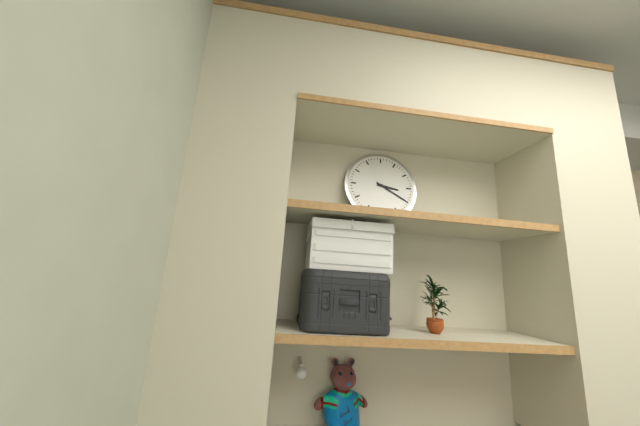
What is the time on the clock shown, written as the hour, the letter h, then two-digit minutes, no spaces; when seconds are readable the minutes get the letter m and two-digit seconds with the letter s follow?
3h20
